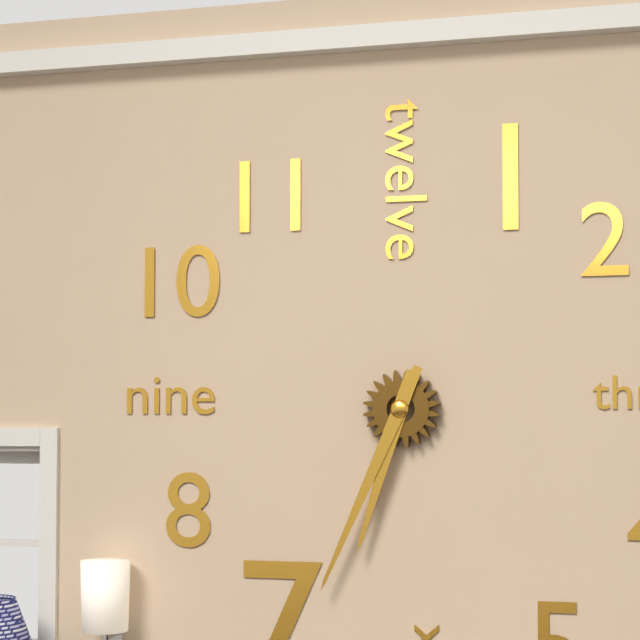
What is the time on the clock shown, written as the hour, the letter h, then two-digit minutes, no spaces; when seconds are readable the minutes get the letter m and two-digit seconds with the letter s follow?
6h34
